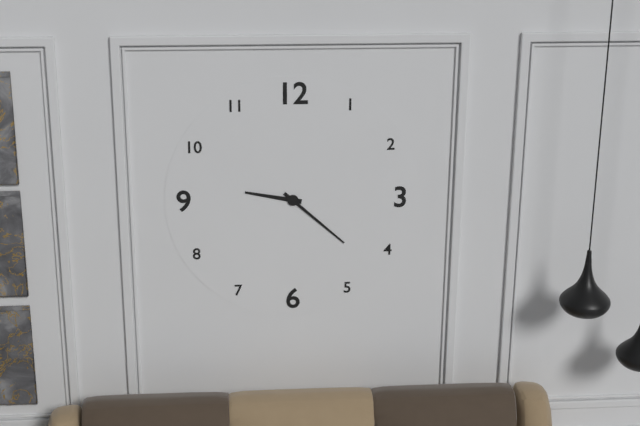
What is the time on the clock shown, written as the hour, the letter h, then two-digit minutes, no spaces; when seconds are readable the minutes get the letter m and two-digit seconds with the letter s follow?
9h22
